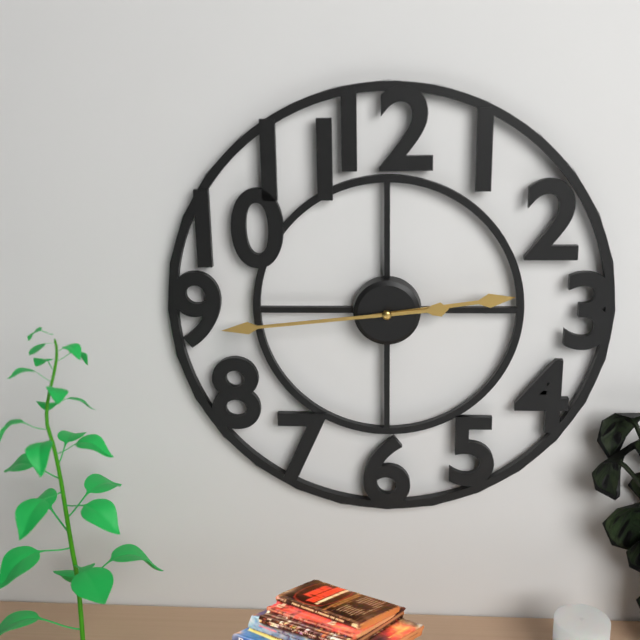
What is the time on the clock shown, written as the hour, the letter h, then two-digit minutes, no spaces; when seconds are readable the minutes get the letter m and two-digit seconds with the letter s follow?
2h44
